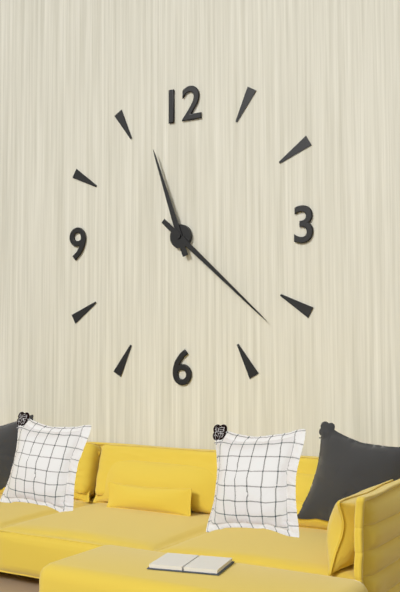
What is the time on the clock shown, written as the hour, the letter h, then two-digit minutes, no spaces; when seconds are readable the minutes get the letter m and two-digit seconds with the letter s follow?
11h22
